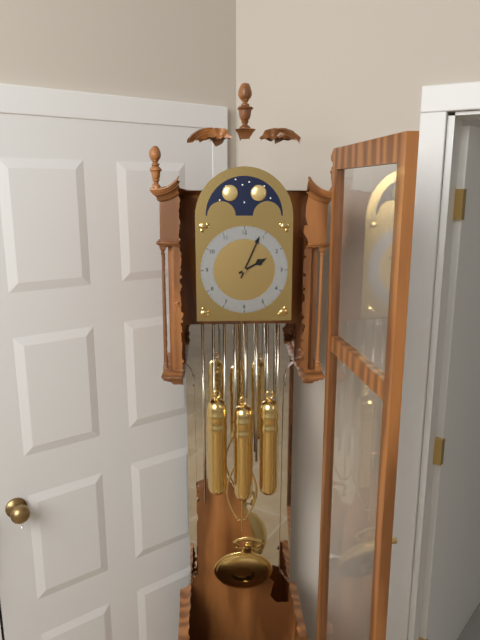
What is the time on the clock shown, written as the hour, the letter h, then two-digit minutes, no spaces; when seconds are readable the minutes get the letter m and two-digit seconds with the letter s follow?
2h04
